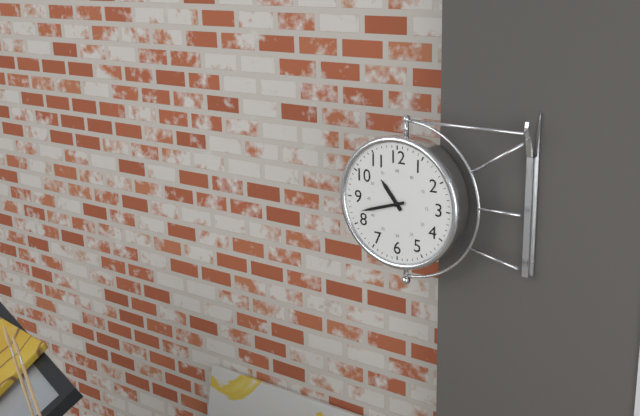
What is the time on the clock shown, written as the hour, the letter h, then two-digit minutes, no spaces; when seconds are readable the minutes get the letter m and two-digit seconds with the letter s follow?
10h42
